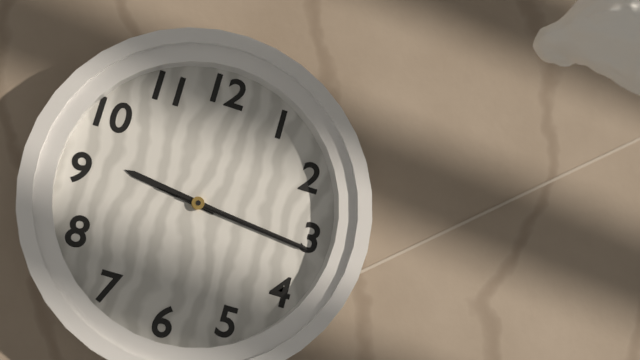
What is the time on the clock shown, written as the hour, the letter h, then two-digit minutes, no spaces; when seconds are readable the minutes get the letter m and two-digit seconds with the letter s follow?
9h16m16s
